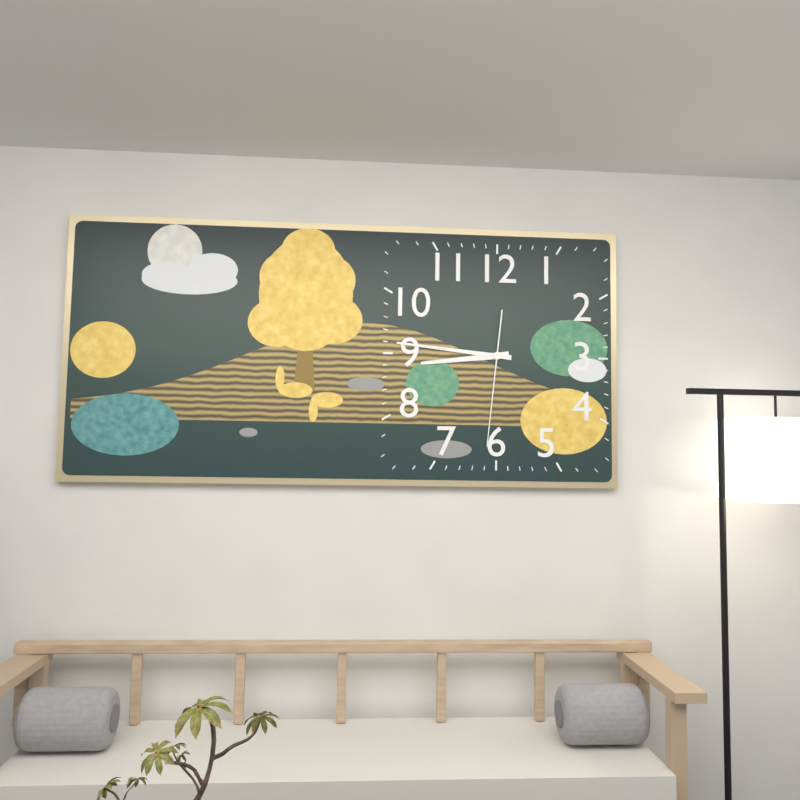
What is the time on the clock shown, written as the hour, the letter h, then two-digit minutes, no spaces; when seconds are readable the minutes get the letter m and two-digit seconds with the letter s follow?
8h46m31s
